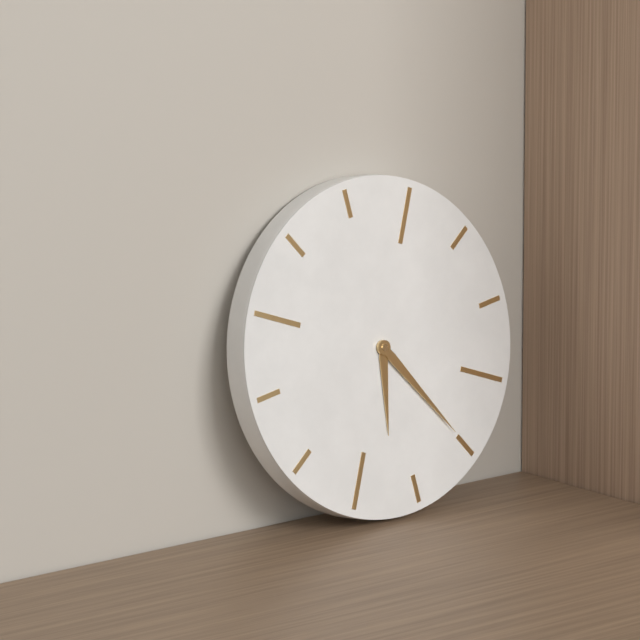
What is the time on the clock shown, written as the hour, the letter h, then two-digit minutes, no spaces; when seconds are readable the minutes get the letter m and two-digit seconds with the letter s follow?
6h25
